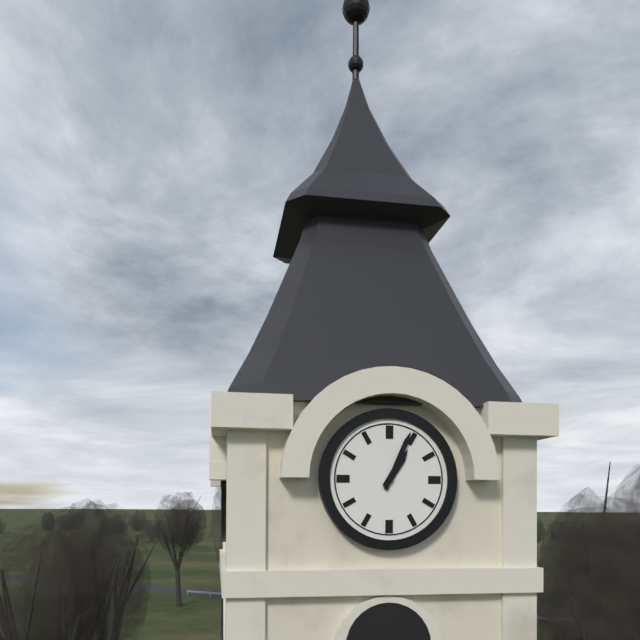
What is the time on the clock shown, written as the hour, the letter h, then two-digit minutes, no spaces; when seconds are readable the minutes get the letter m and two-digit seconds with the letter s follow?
1h04
